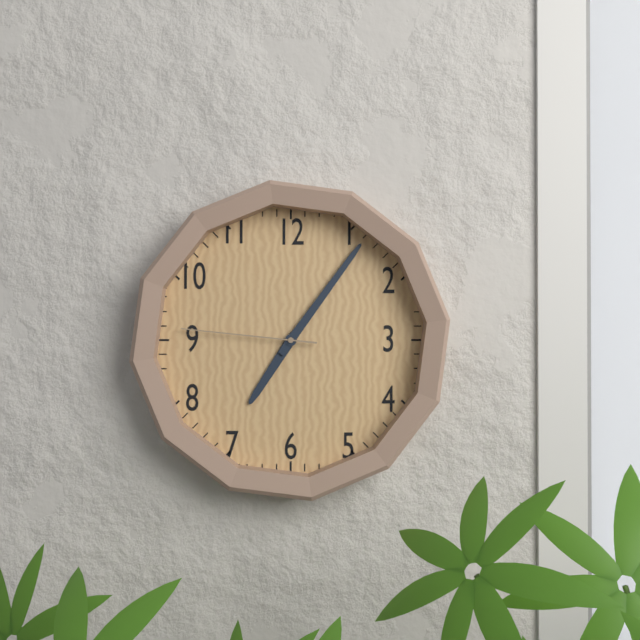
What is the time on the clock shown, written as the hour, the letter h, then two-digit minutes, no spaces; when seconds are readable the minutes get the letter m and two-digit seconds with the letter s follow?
7h06m46s
